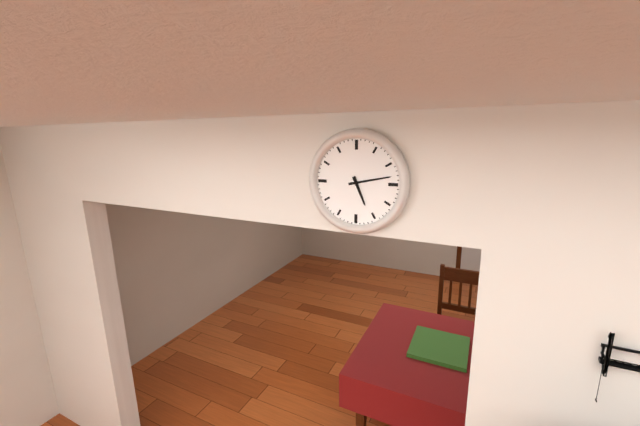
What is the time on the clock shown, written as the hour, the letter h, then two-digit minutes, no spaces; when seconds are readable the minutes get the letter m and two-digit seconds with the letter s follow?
5h13
